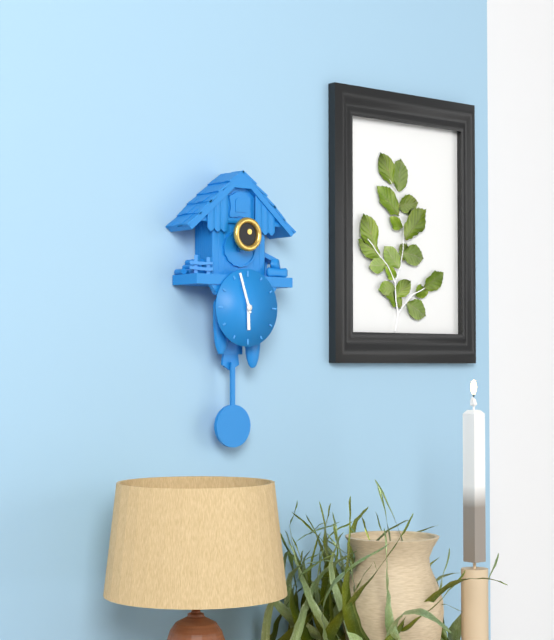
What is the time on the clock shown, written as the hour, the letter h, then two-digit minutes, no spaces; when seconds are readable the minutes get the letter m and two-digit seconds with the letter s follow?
5h57
